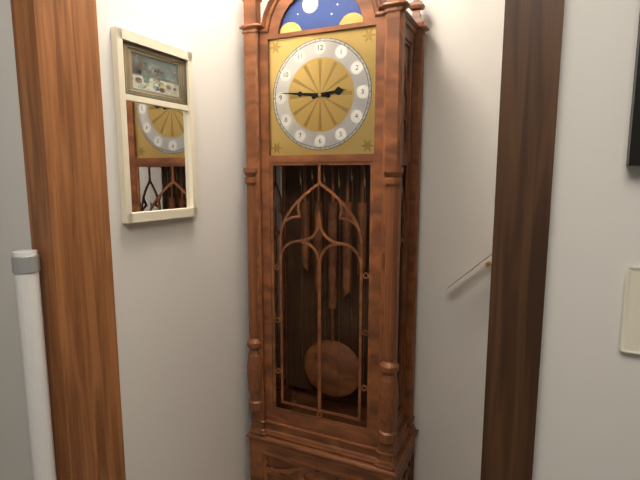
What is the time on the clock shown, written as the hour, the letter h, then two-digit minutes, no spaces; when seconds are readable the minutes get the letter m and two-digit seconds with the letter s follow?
2h46
